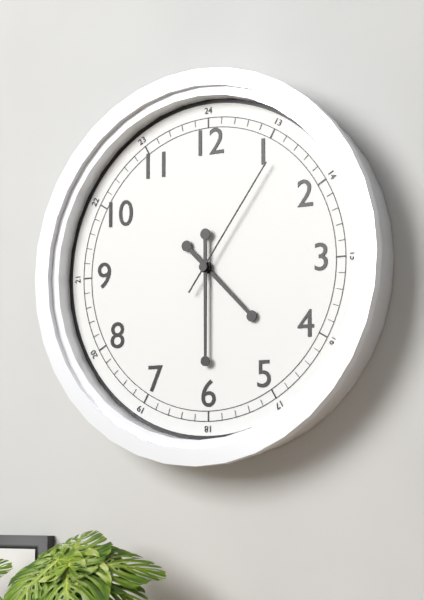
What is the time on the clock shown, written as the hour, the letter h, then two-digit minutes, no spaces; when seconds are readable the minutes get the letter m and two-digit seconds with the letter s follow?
4h30m06s
